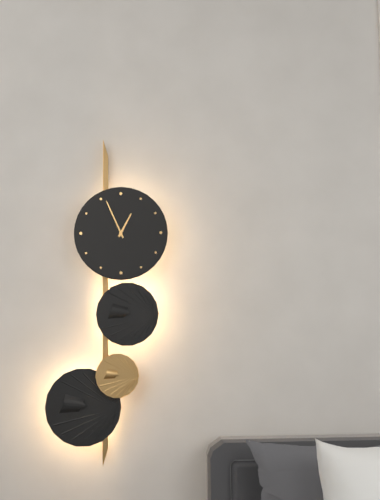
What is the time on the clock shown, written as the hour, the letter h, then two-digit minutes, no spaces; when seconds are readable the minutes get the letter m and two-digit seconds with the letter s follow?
12h56
